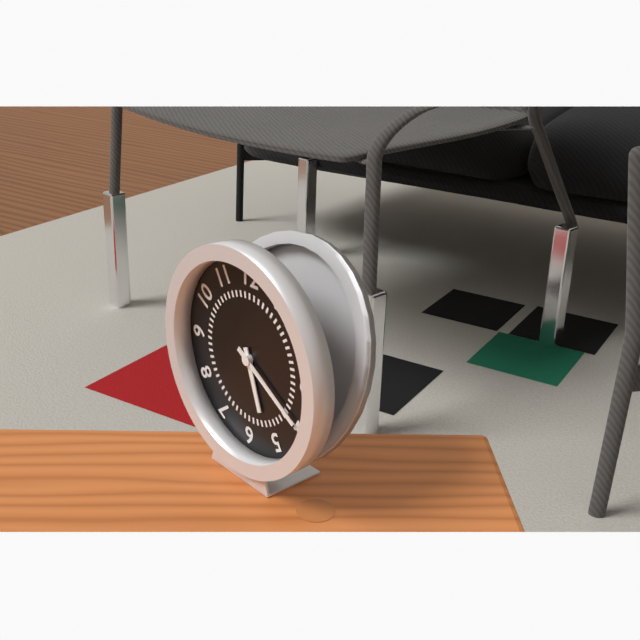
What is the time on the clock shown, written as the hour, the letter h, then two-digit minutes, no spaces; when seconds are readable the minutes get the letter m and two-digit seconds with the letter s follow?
5h20
